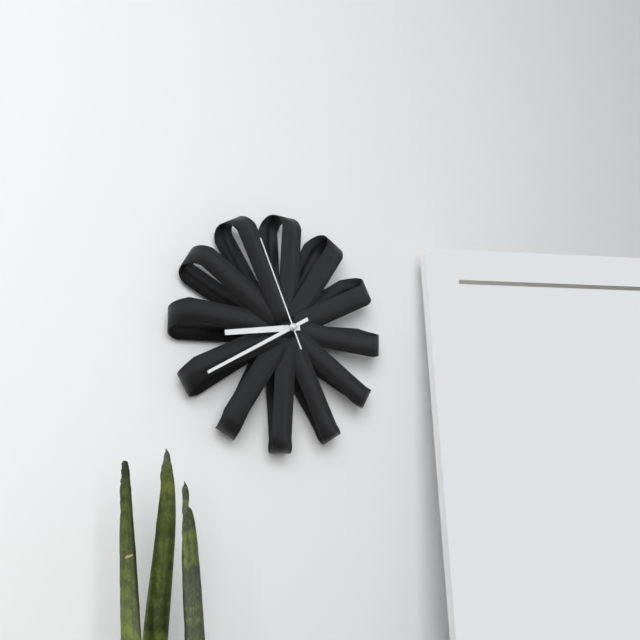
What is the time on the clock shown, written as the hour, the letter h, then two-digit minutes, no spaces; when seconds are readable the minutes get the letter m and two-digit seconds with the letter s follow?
8h40m56s
